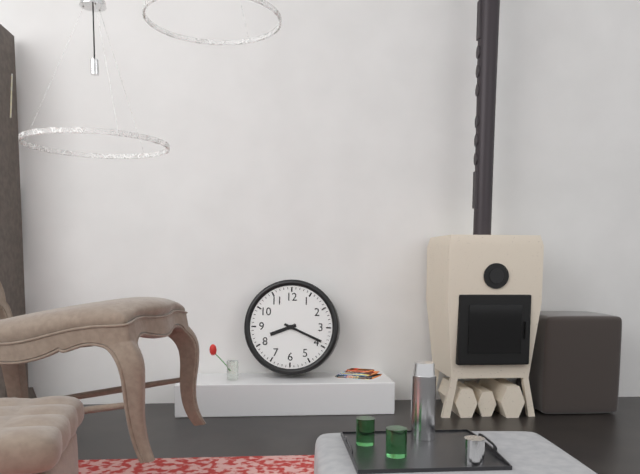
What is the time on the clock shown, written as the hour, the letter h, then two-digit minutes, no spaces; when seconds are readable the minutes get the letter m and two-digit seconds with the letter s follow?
8h19
